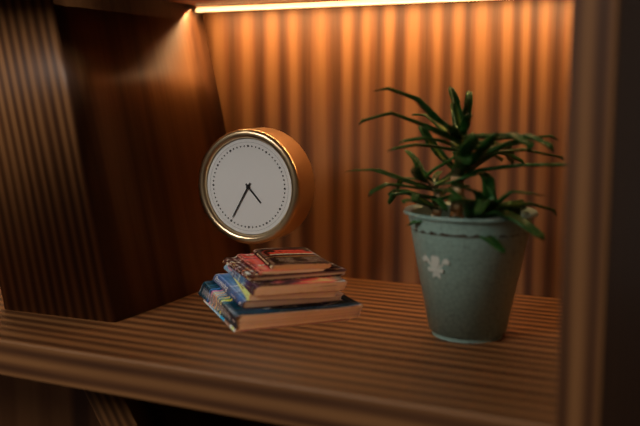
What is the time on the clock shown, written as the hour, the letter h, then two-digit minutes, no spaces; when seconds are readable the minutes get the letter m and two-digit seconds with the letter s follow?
4h35
